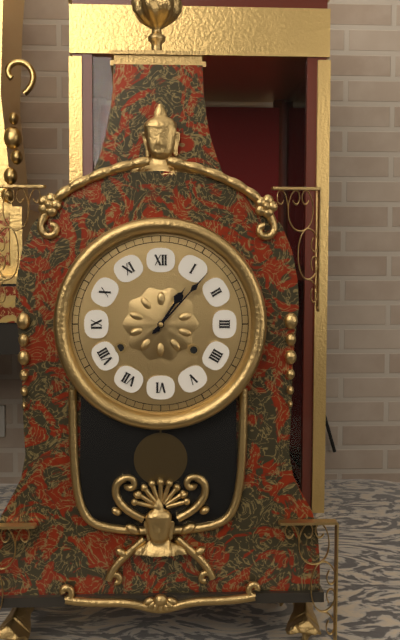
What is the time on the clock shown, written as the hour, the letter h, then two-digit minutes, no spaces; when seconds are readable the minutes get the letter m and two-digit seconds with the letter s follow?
1h07
